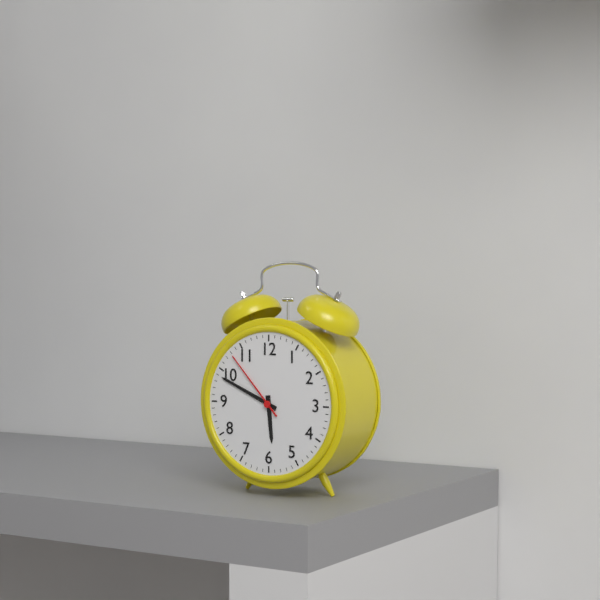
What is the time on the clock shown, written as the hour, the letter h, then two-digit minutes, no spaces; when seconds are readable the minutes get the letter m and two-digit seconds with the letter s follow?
5h49m53s
